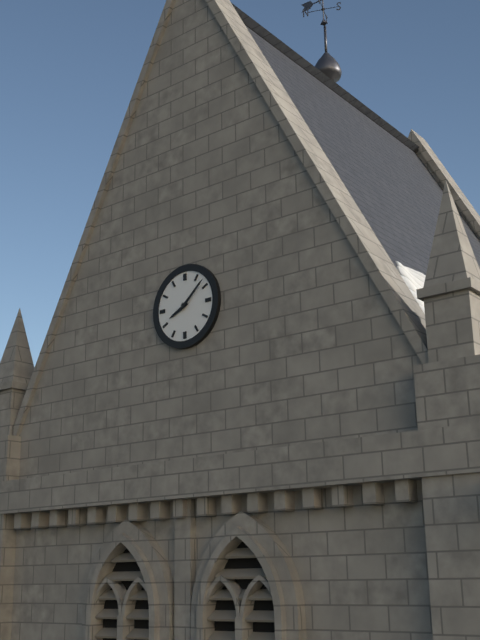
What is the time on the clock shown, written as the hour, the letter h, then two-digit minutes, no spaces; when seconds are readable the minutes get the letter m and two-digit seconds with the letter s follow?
8h08
